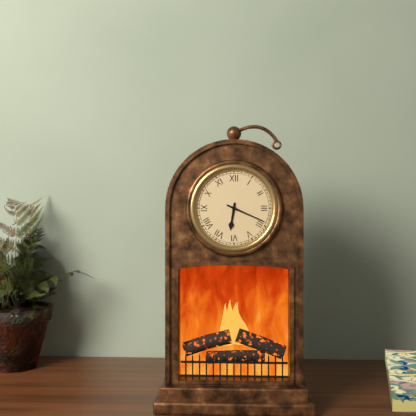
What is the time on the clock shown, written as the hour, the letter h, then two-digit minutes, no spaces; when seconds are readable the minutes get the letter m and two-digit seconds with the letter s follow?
6h19
